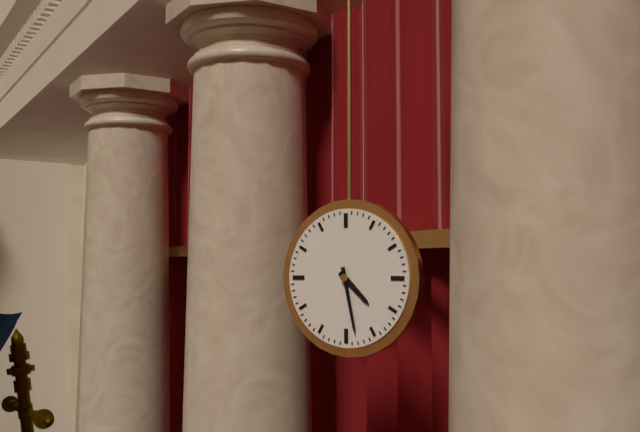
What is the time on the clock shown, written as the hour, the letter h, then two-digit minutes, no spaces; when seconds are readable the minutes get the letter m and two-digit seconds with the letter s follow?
4h28
